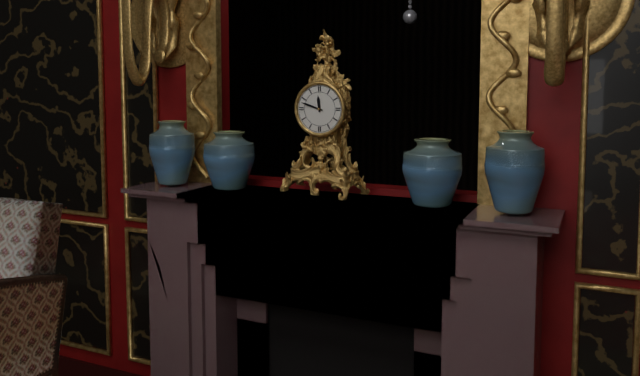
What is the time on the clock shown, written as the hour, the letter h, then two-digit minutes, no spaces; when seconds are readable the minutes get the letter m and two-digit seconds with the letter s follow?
11h48
